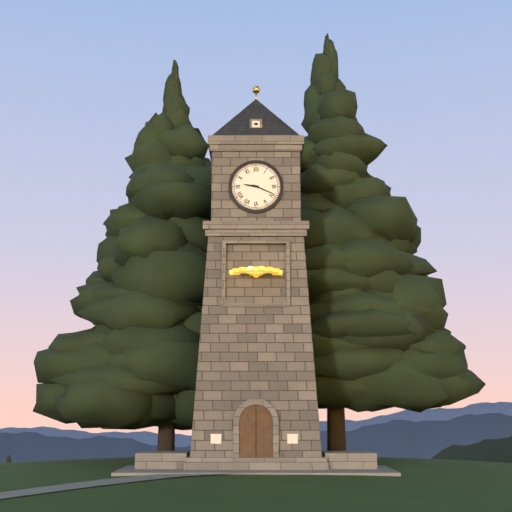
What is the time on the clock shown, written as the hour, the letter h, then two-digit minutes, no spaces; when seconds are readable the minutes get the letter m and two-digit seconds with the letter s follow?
9h19
